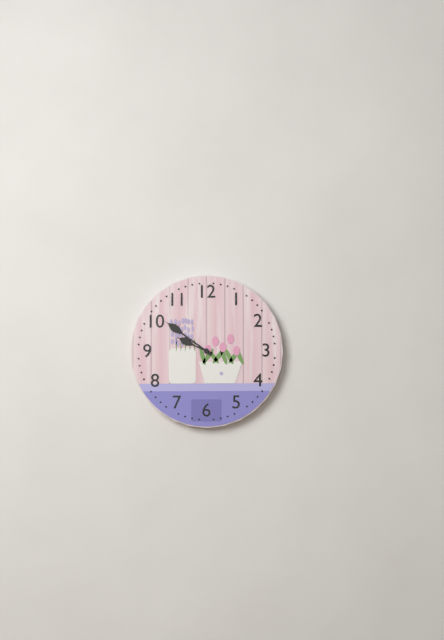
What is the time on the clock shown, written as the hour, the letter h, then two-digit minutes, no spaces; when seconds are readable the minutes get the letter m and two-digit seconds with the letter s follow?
9h51
